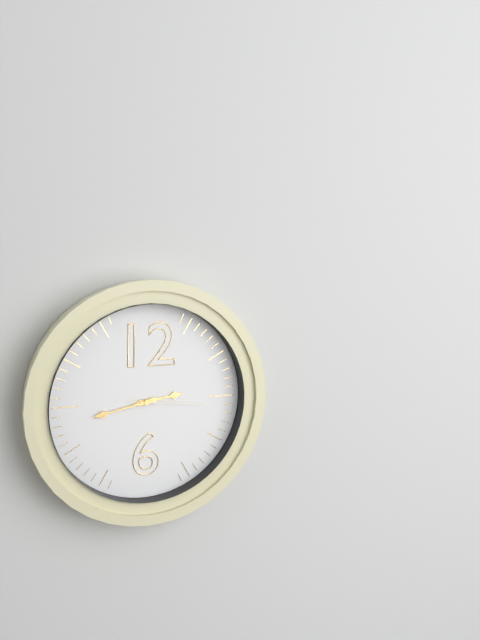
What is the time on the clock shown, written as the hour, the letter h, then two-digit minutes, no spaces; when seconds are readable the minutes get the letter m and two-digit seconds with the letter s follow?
2h43m16s
